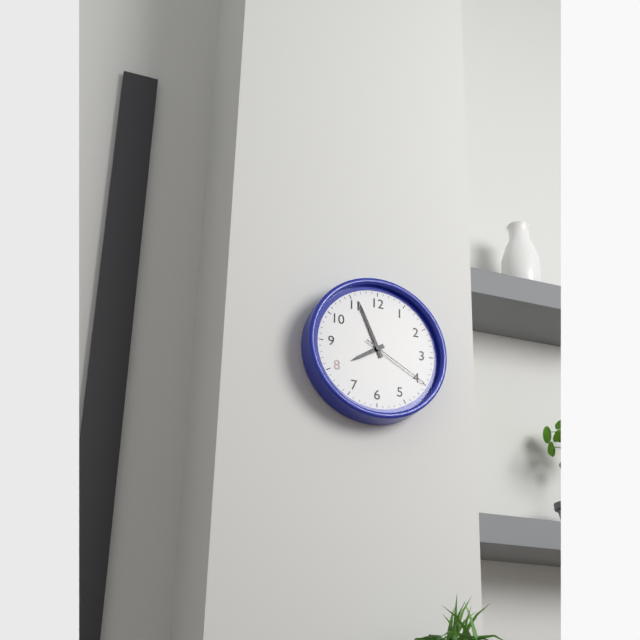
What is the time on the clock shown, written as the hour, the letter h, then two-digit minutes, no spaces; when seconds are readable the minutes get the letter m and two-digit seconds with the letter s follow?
7h56m20s
